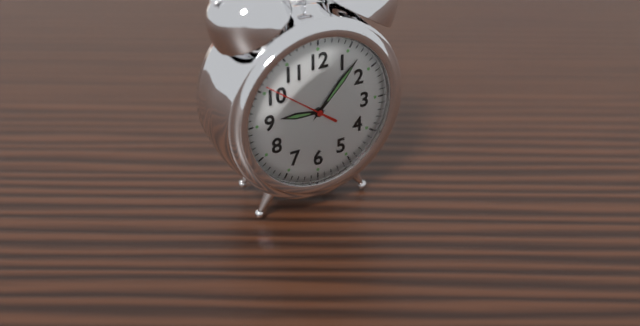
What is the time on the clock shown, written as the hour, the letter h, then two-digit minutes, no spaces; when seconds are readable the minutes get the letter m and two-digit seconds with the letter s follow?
9h07m51s
